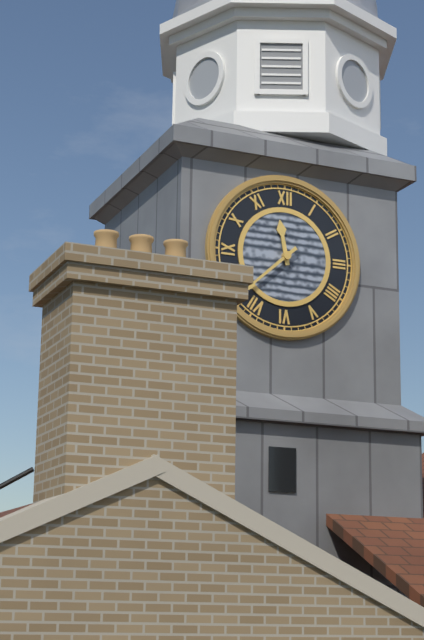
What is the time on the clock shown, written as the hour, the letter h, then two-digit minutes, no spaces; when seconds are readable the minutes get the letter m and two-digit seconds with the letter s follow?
11h38
